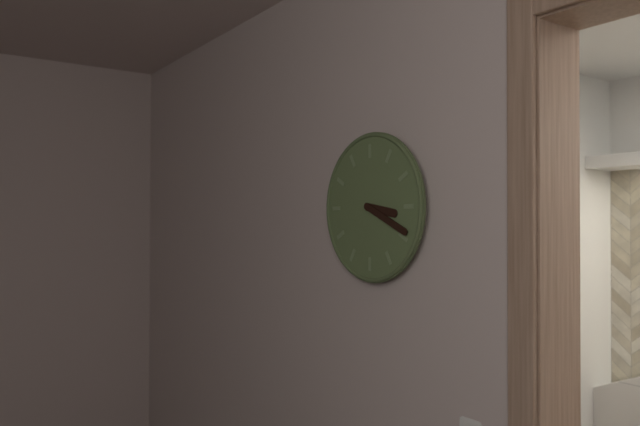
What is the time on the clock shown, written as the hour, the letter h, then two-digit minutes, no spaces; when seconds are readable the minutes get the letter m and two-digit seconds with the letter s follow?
3h19
